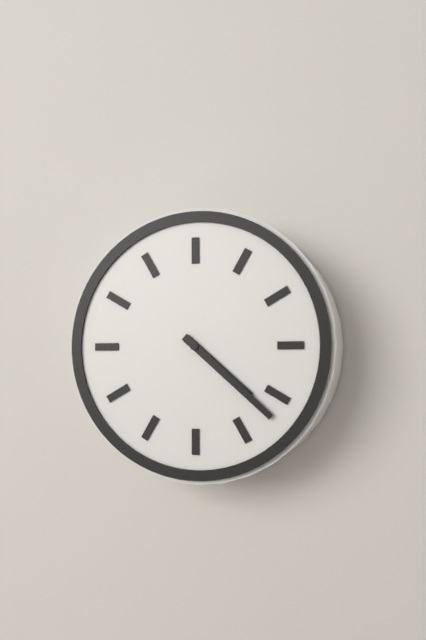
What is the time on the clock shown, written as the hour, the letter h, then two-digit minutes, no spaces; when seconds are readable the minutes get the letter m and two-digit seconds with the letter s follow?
4h22
